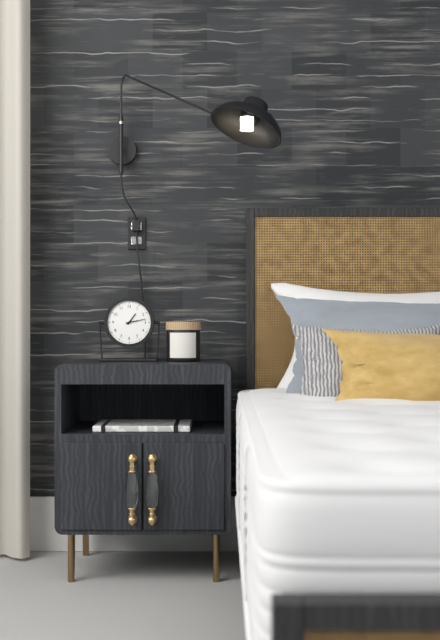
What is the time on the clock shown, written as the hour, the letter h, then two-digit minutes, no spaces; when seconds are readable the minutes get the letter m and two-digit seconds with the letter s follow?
1h13
